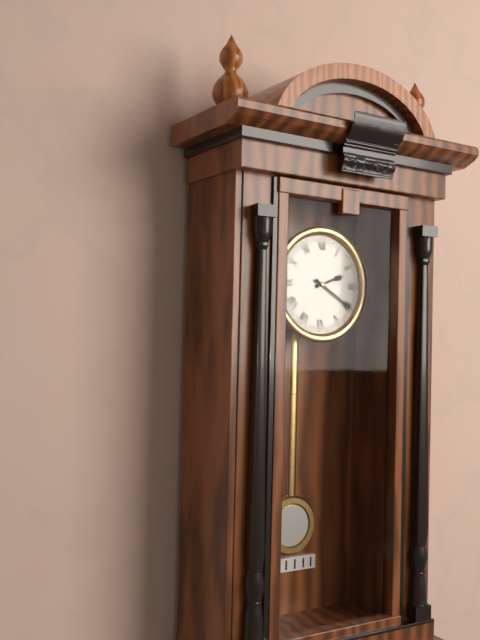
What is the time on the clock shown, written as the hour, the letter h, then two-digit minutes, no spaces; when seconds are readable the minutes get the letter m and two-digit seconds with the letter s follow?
2h20
